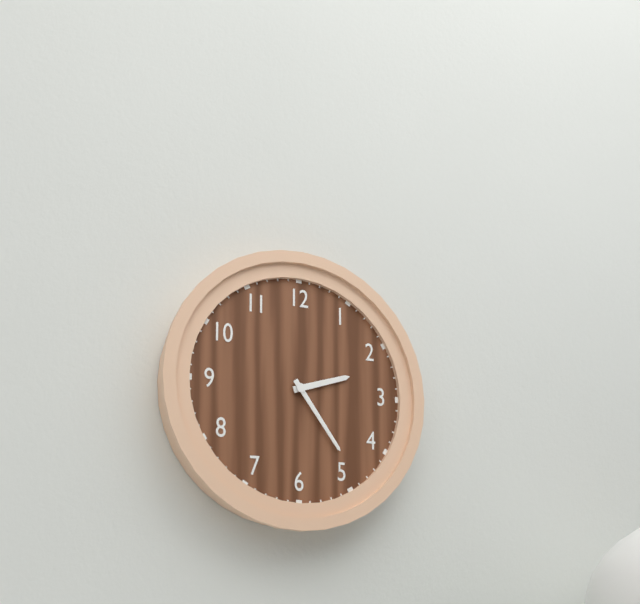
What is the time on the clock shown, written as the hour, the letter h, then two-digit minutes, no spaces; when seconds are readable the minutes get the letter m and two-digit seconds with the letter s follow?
2h24
